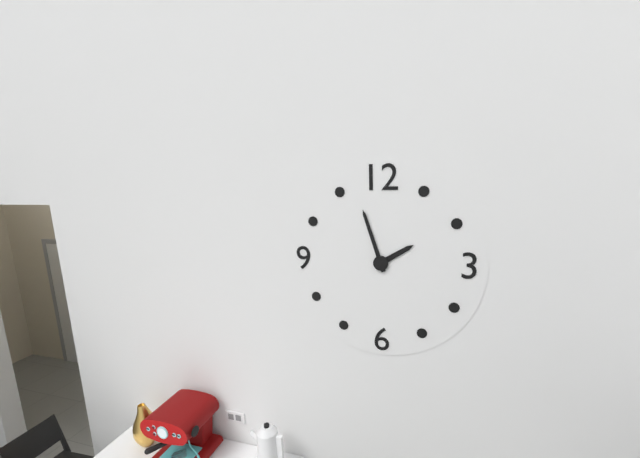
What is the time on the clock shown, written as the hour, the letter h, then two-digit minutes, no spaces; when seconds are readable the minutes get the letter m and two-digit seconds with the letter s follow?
1h57
